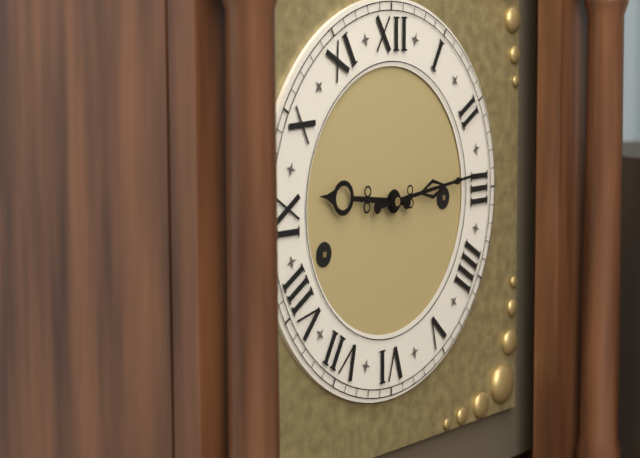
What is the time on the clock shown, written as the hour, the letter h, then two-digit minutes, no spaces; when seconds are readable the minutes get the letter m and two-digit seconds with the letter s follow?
9h14
